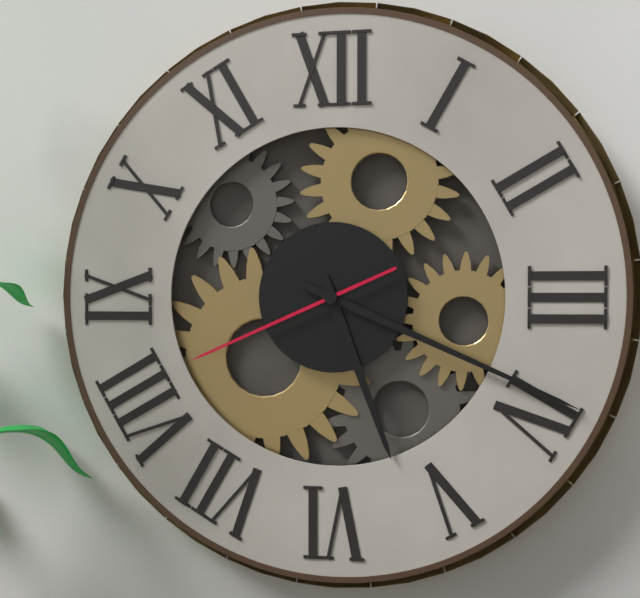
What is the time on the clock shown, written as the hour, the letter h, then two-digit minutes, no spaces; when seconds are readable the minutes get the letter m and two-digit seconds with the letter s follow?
5h19m41s
